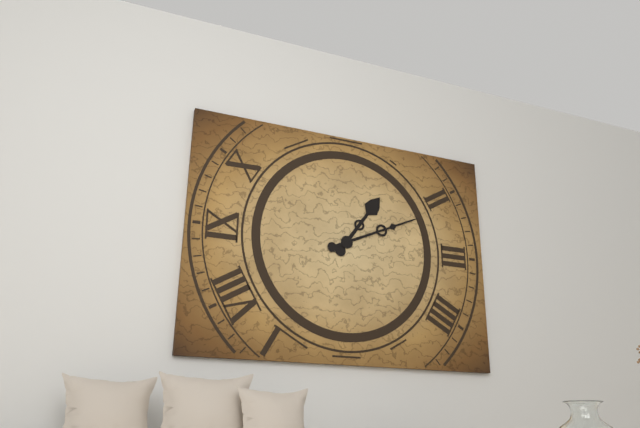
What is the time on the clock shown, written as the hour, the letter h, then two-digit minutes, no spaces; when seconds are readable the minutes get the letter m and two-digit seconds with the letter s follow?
1h11
